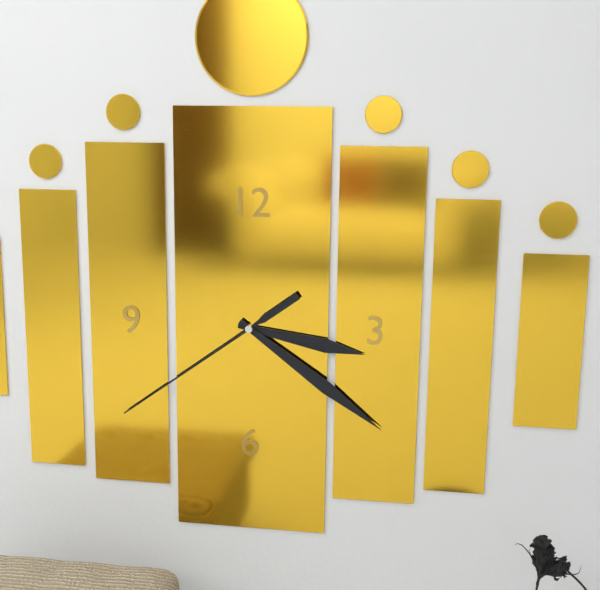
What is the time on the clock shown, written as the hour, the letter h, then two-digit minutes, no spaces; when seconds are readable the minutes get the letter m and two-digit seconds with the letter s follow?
3h21m39s
